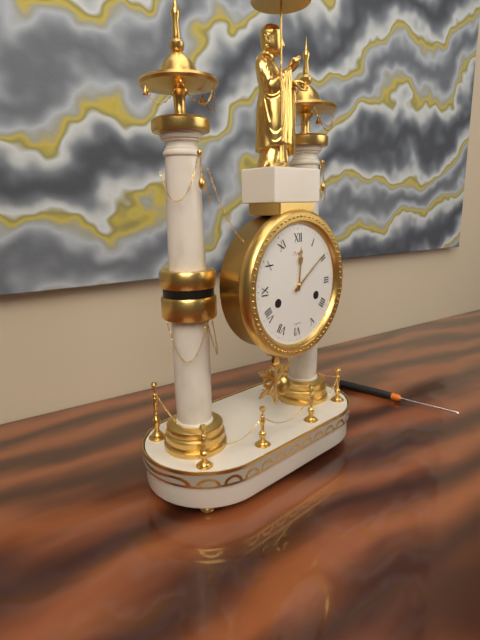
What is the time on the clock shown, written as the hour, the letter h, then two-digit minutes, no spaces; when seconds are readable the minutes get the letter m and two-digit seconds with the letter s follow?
12h09
